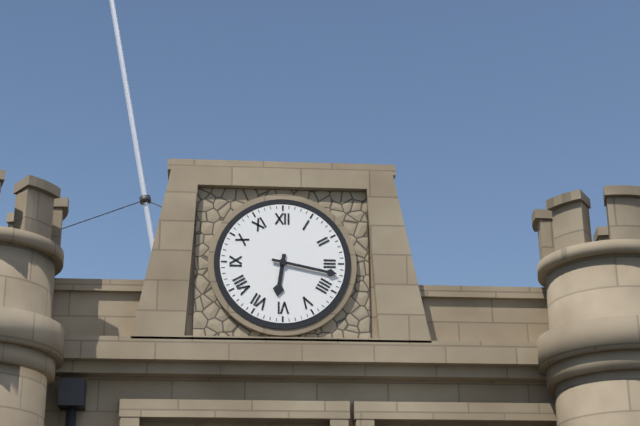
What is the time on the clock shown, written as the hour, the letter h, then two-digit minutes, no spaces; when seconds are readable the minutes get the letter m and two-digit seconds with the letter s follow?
6h17
